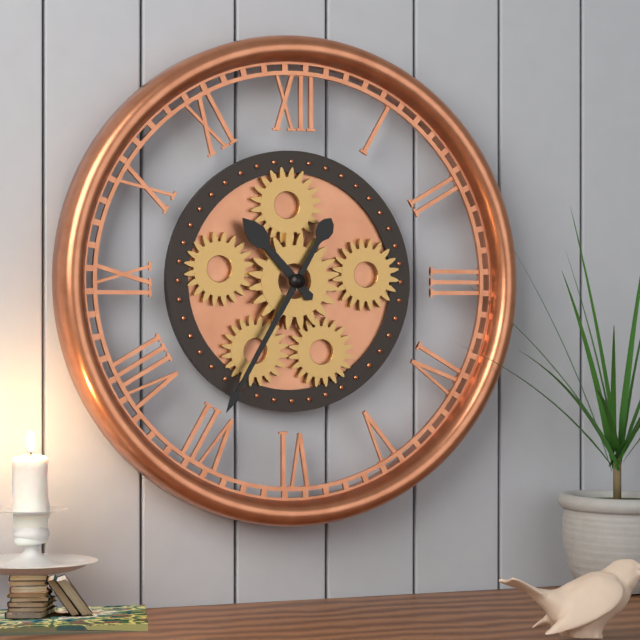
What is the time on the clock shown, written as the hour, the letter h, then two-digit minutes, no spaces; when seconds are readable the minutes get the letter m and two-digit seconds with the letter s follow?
10h35
